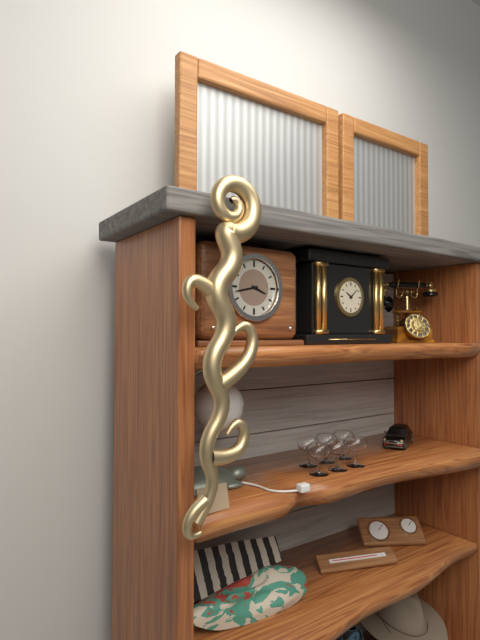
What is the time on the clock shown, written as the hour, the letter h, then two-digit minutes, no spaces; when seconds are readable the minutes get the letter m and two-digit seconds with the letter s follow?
3h43
